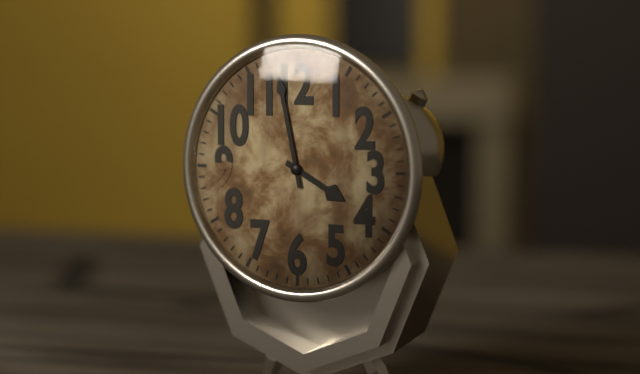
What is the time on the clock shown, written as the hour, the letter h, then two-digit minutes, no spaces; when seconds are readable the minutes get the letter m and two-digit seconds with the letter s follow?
3h58
